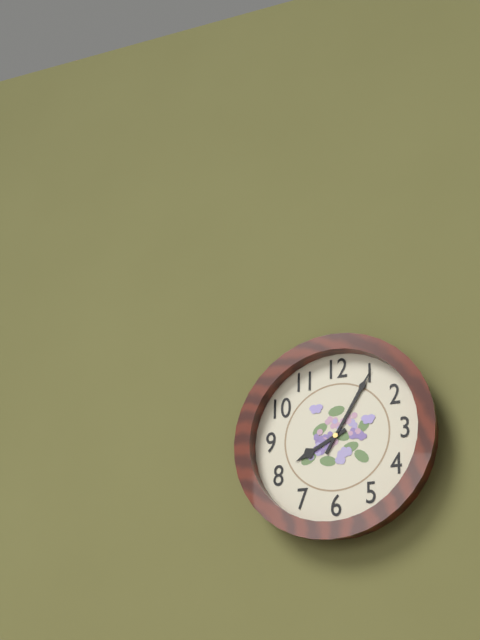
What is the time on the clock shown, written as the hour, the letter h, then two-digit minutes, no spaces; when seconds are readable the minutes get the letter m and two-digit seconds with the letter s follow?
8h05
